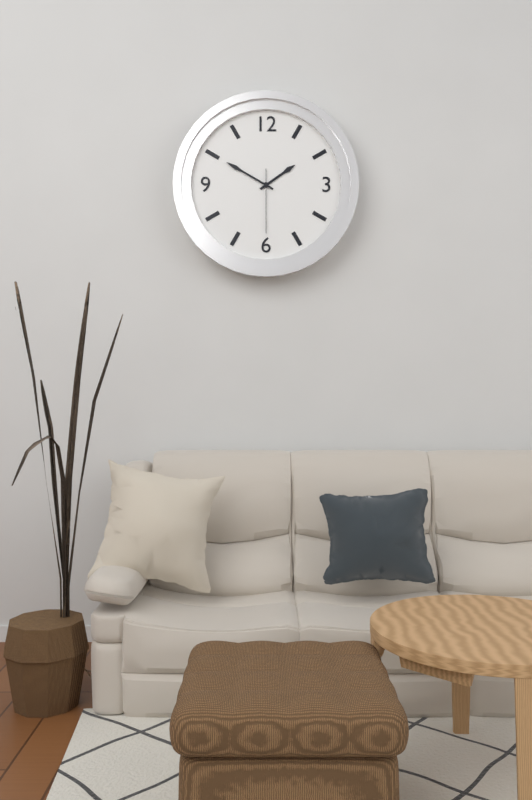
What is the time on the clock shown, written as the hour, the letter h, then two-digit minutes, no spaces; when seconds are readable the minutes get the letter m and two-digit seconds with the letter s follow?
1h50m30s
